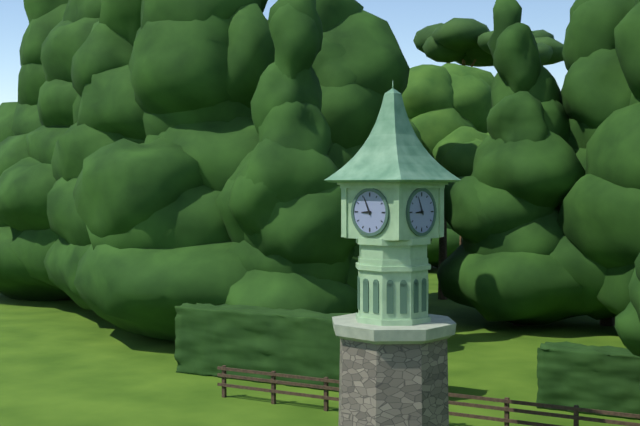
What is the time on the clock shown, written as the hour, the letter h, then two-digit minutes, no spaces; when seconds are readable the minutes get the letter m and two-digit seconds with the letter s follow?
8h56
